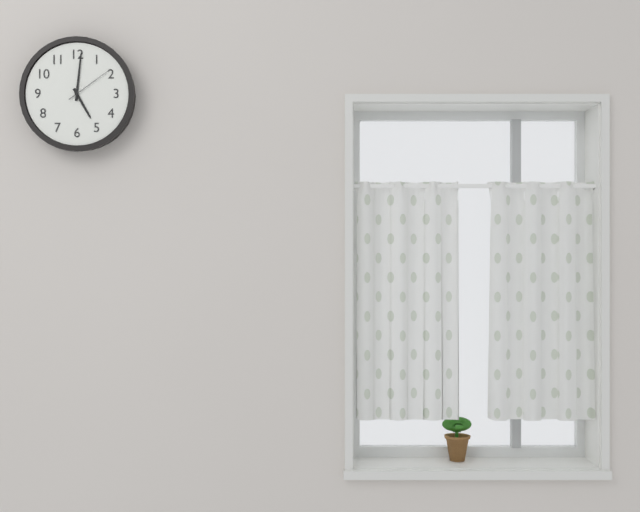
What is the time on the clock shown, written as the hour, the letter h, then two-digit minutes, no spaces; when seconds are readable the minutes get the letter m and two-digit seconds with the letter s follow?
5h01
